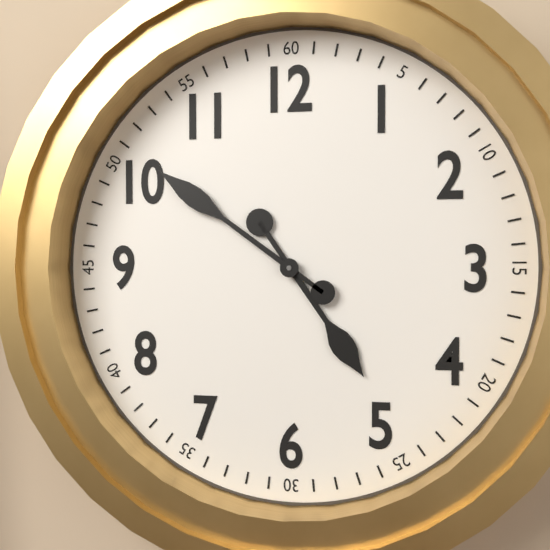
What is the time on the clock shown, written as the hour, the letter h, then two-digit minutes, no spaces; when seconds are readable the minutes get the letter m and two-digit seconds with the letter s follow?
4h51
